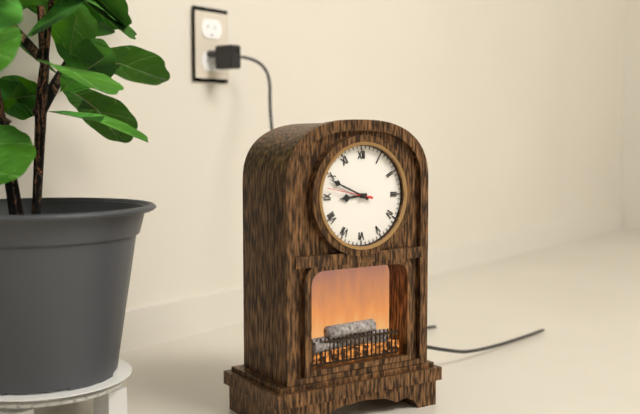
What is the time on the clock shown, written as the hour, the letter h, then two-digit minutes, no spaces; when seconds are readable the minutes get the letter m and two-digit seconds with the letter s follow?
8h49
